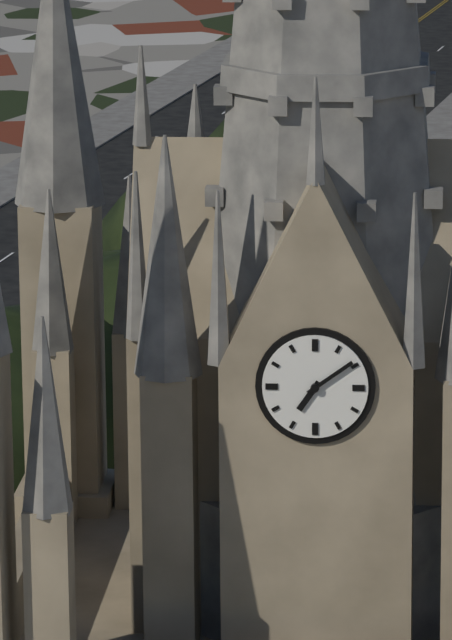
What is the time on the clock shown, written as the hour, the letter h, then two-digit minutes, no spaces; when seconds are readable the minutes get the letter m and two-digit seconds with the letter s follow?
7h09
